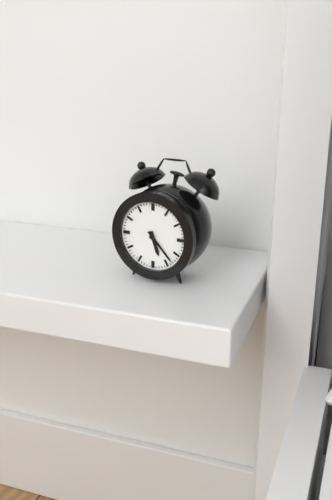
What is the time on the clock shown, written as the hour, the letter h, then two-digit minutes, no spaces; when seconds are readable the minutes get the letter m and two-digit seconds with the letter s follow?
5h23
